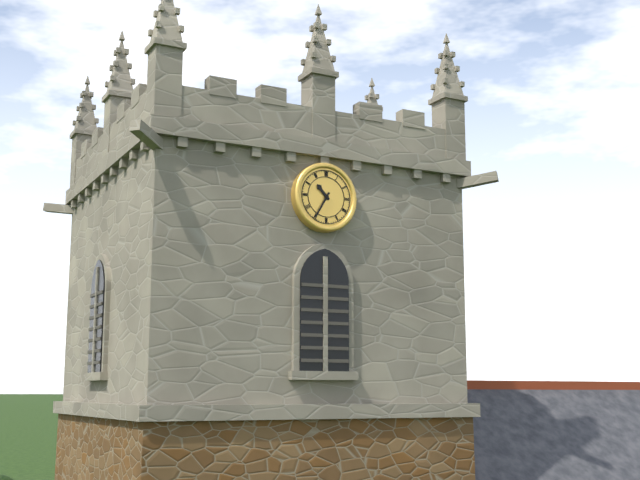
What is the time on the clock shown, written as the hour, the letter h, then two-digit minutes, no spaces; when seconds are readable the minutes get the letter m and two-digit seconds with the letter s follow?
10h35
